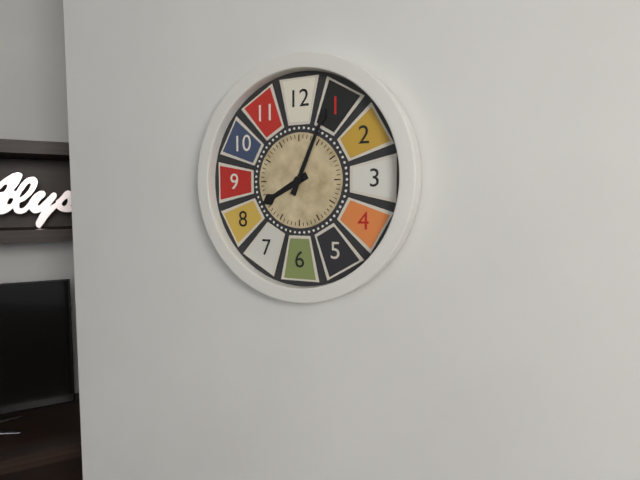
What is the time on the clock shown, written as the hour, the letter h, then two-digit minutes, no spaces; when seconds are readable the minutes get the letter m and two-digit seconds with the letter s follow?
8h04
